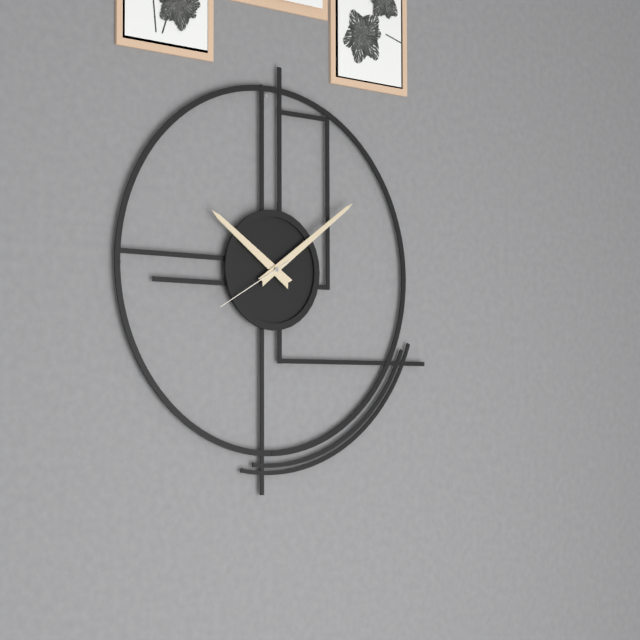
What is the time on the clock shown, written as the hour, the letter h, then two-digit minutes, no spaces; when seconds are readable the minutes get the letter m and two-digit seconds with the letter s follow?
10h09m40s
